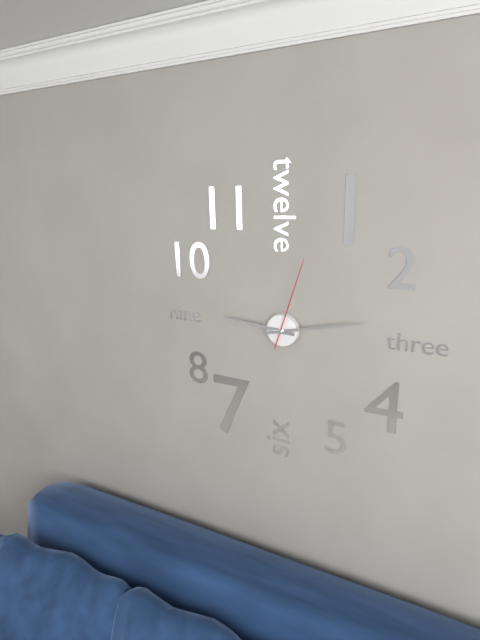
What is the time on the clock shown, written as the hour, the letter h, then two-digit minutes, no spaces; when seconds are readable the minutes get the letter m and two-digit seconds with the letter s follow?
9h13m03s
